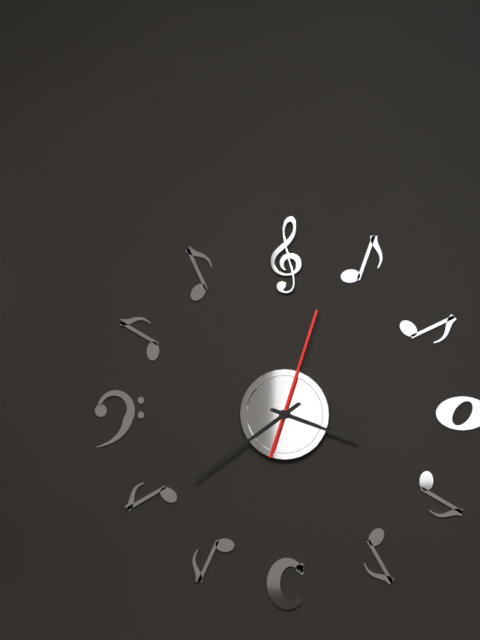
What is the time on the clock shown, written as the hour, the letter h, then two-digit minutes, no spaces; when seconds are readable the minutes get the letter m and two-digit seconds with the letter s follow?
3h39m03s
